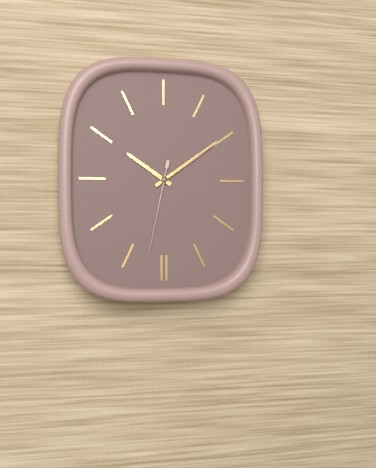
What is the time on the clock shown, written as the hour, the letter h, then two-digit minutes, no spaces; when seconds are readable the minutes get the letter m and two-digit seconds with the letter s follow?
10h09m32s
